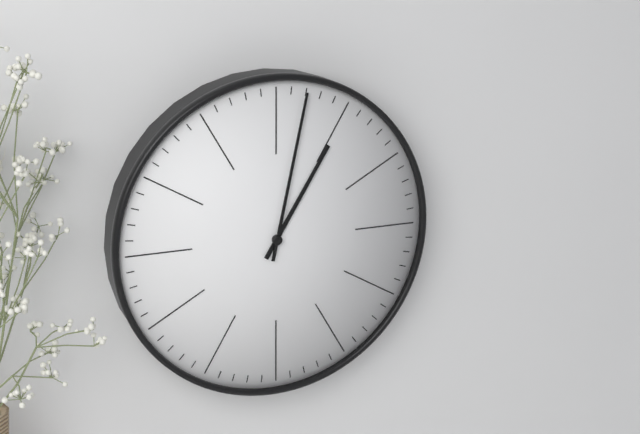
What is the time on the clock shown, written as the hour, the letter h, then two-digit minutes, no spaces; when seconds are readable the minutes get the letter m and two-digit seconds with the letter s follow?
1h02
